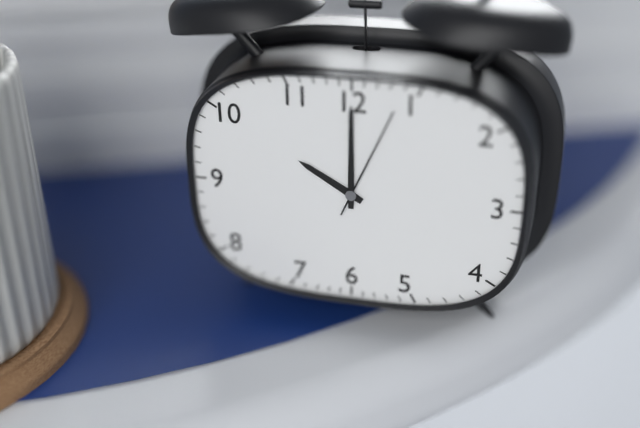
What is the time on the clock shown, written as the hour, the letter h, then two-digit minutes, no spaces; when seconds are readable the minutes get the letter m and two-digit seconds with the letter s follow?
10h00m04s
